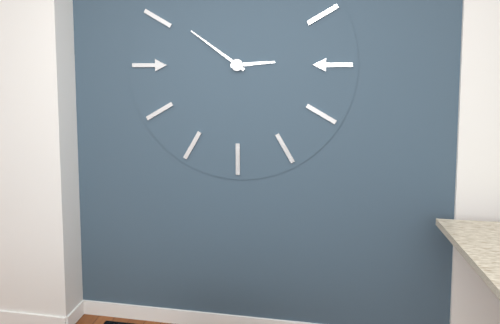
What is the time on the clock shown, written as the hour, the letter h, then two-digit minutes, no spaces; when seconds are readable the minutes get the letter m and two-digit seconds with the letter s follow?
2h51
